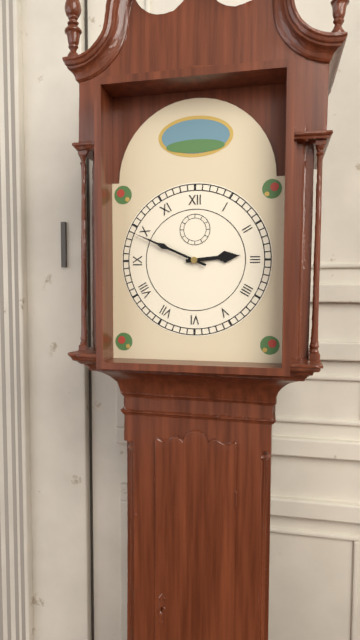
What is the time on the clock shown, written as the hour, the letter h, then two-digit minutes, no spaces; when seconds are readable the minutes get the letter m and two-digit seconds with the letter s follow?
2h49
